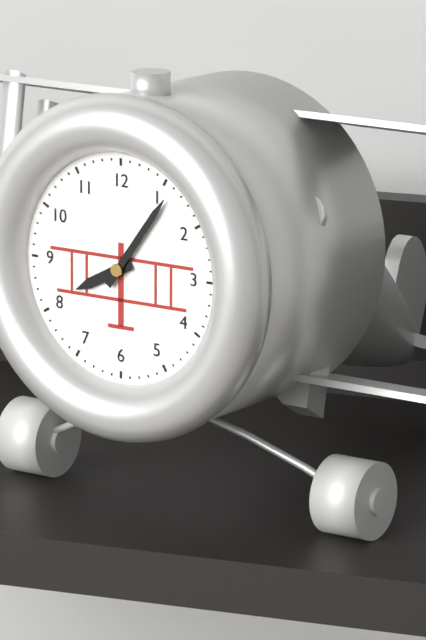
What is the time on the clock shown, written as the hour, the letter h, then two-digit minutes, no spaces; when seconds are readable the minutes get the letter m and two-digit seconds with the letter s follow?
8h06
